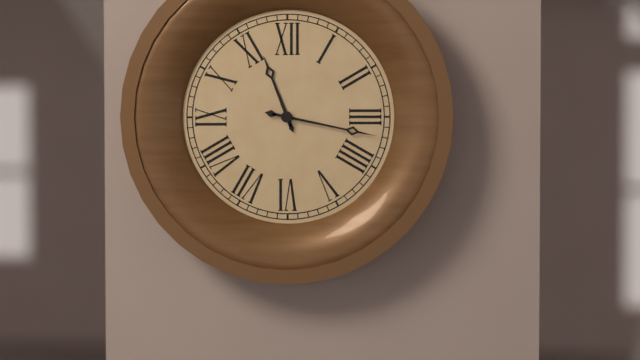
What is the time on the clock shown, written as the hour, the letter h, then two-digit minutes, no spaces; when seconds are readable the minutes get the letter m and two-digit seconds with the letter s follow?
11h17
